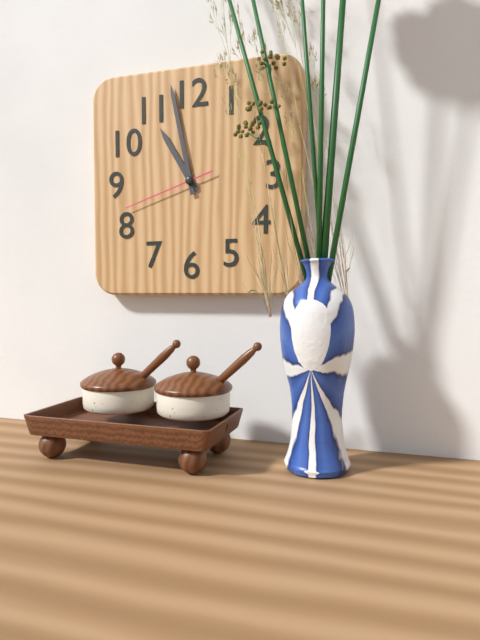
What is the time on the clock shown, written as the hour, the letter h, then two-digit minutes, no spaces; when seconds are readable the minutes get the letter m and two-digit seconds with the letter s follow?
10h58m42s
